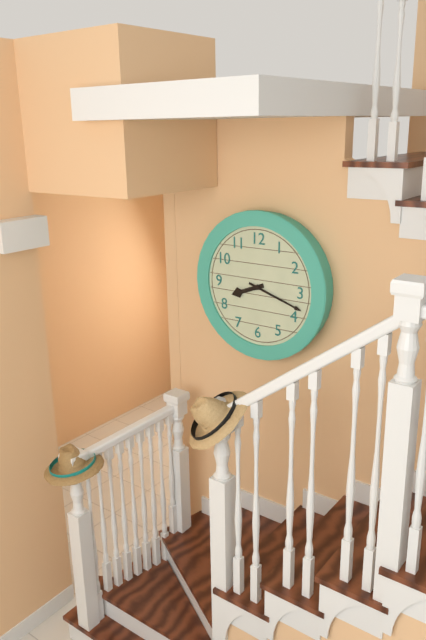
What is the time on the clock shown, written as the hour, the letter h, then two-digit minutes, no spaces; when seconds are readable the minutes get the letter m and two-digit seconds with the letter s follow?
8h18
